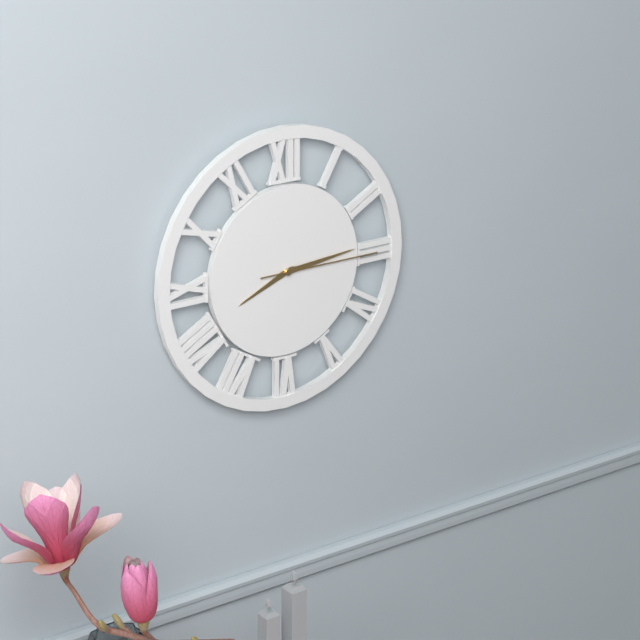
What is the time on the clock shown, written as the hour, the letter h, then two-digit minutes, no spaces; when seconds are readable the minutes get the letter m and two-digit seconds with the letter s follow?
8h14m15s
